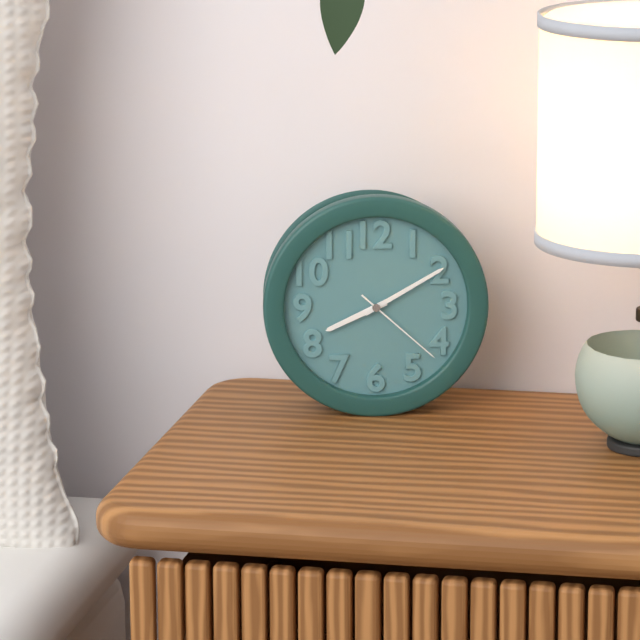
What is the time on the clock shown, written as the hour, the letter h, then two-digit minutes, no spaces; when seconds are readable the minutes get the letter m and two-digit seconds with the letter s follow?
8h10m22s
